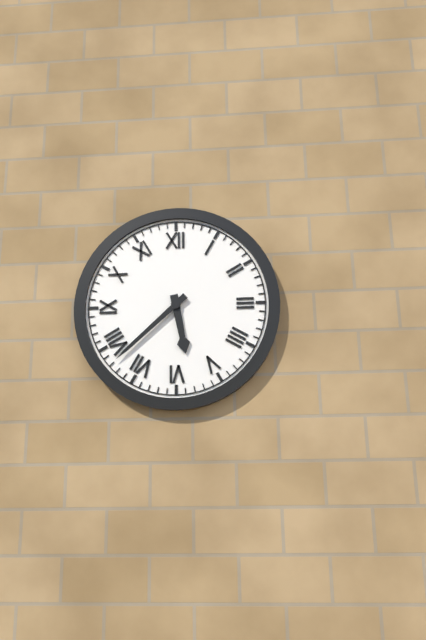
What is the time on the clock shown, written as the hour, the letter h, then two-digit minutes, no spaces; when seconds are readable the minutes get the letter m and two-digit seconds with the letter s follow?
5h38
